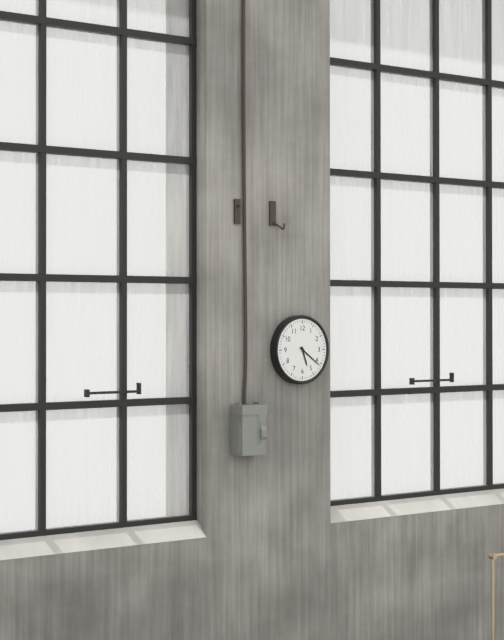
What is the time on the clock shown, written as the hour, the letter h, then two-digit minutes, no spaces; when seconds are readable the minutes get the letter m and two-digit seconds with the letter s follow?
5h21
